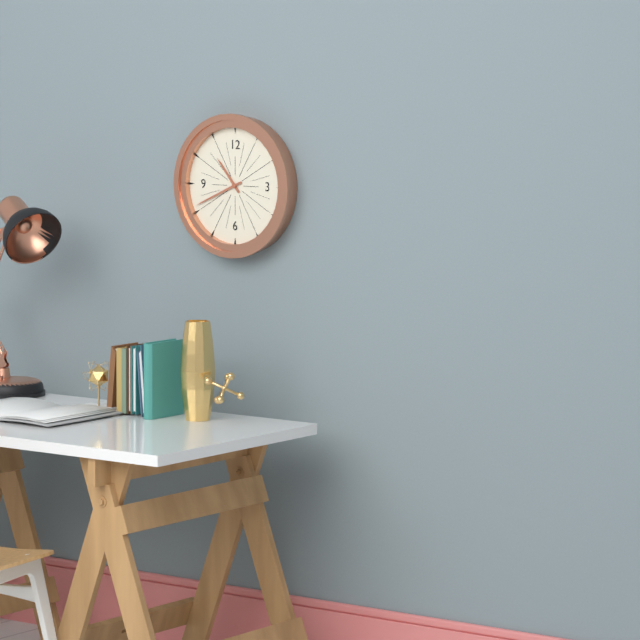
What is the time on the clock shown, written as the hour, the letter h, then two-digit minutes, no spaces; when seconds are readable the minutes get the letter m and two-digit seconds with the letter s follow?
10h41
